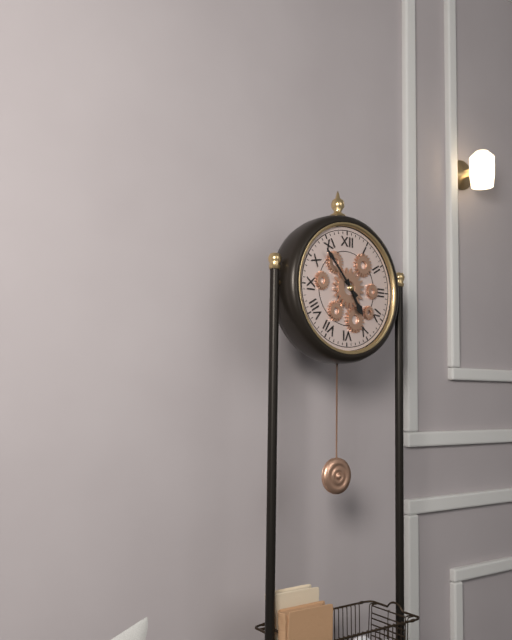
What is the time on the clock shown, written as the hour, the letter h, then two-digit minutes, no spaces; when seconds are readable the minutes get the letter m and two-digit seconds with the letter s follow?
4h53
